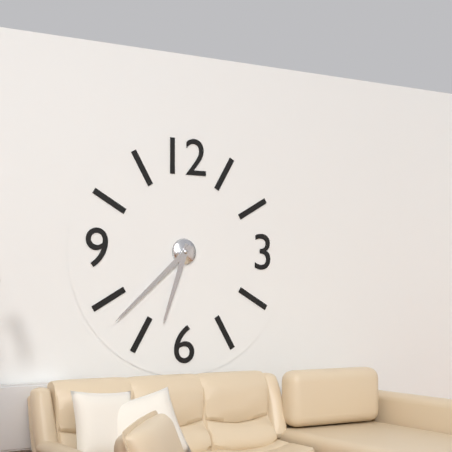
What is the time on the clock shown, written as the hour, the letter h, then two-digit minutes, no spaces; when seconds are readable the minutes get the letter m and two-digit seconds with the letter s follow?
6h38
